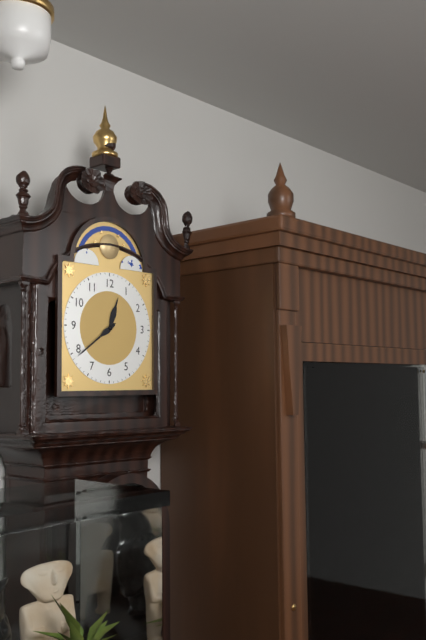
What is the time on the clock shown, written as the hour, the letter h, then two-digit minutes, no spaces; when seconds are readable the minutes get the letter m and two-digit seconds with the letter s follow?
12h39
